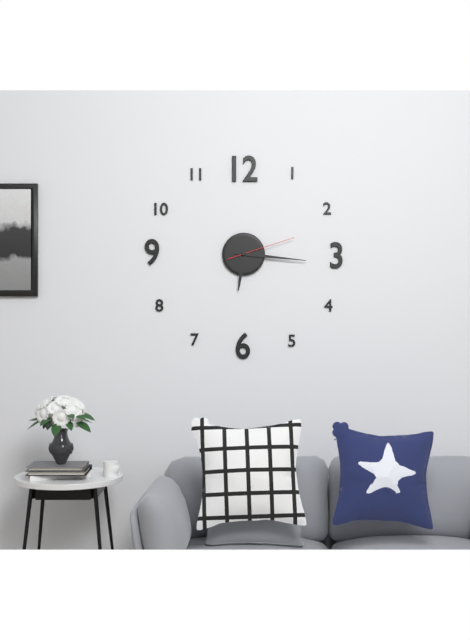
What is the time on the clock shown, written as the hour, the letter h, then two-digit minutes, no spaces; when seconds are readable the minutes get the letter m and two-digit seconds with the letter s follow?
6h16m12s
